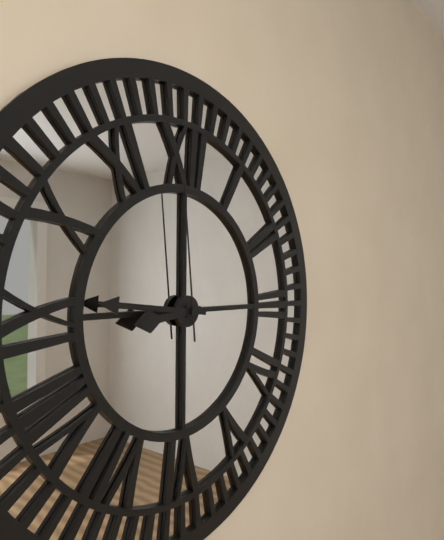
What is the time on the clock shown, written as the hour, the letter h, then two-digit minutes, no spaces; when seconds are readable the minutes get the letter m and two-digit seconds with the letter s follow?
8h46m59s
